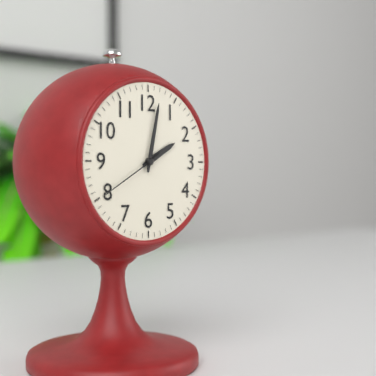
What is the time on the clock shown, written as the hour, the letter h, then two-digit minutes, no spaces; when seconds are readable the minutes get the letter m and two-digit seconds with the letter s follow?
2h02m40s
